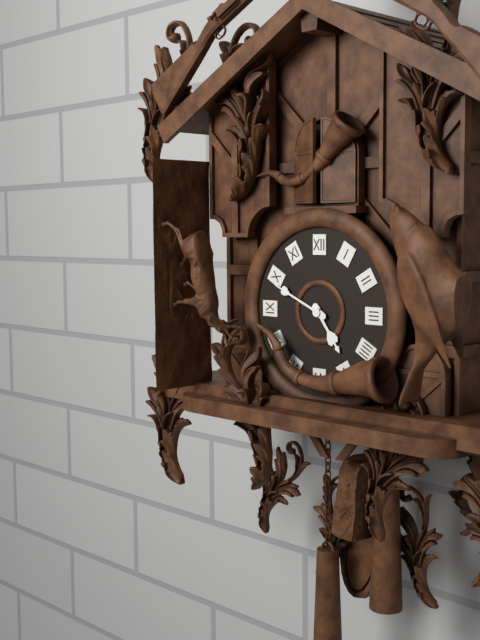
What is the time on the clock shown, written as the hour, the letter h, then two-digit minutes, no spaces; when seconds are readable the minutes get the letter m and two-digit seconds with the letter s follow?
4h49
